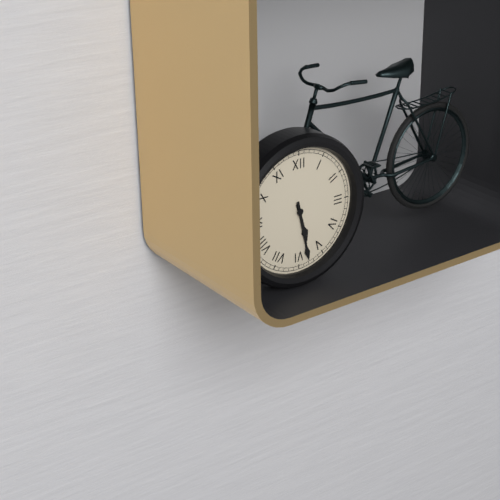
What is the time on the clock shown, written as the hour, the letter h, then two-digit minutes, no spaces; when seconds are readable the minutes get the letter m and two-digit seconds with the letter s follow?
5h28
